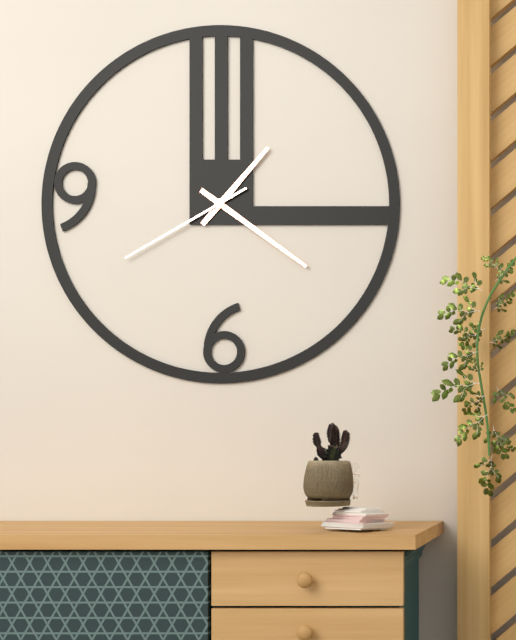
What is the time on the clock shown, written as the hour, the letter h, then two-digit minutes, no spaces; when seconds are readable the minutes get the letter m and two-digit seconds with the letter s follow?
1h21m40s
